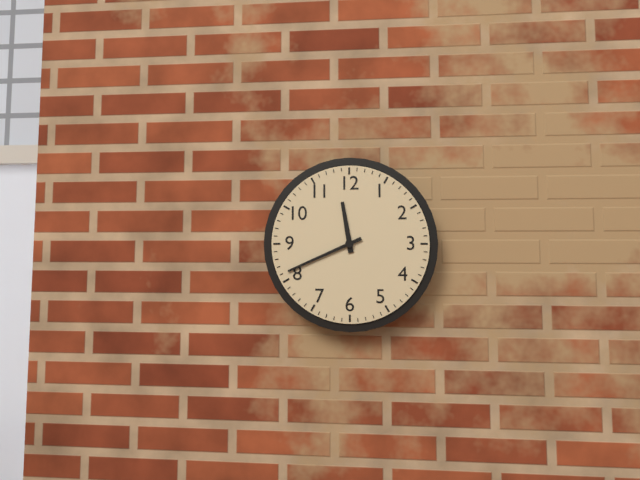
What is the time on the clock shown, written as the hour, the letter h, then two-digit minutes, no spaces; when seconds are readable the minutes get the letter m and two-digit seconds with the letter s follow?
11h41
